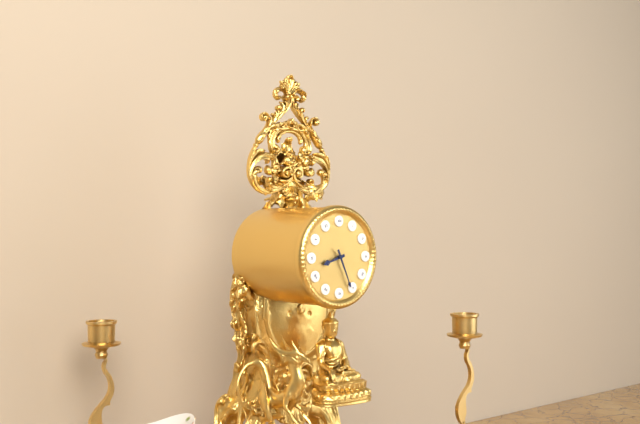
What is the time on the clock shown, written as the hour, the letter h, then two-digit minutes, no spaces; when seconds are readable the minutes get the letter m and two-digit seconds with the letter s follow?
8h26
